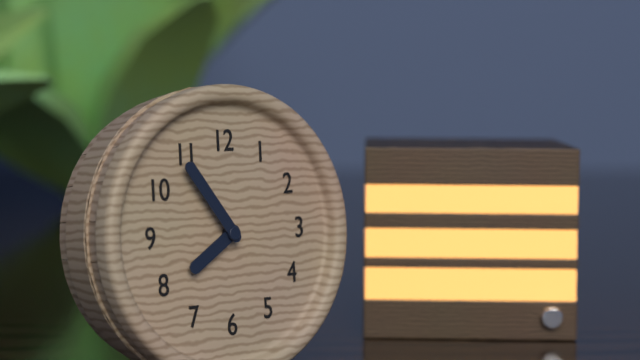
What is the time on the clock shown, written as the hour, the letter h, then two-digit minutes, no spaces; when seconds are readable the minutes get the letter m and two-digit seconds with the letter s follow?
7h54
